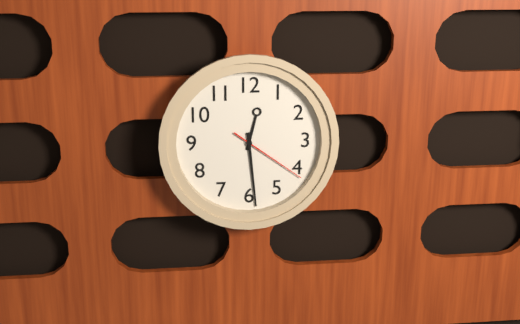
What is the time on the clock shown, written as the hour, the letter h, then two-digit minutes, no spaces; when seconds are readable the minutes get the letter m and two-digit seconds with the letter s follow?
12h29m21s
